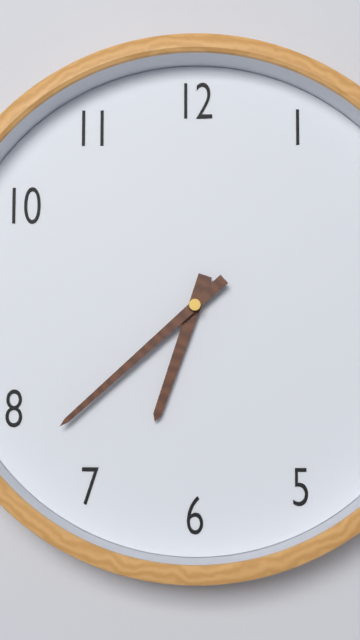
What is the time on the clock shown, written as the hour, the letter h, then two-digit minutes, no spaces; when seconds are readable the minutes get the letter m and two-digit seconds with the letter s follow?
6h38
